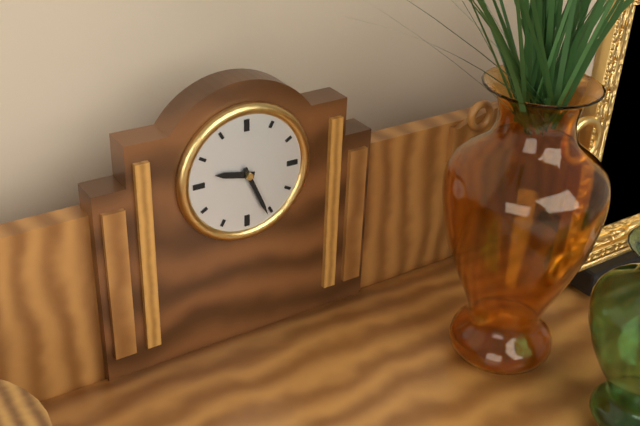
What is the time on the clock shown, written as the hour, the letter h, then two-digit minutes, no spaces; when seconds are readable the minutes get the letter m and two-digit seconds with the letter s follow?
9h26
